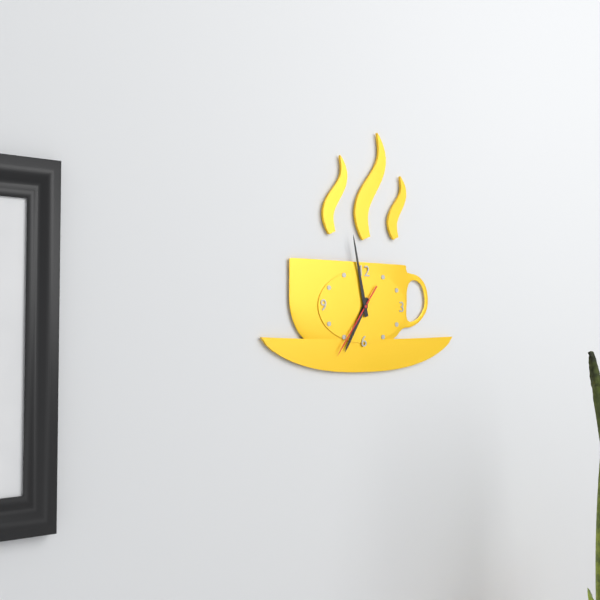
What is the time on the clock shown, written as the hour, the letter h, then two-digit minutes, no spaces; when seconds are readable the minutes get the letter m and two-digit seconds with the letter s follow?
6h58m36s
